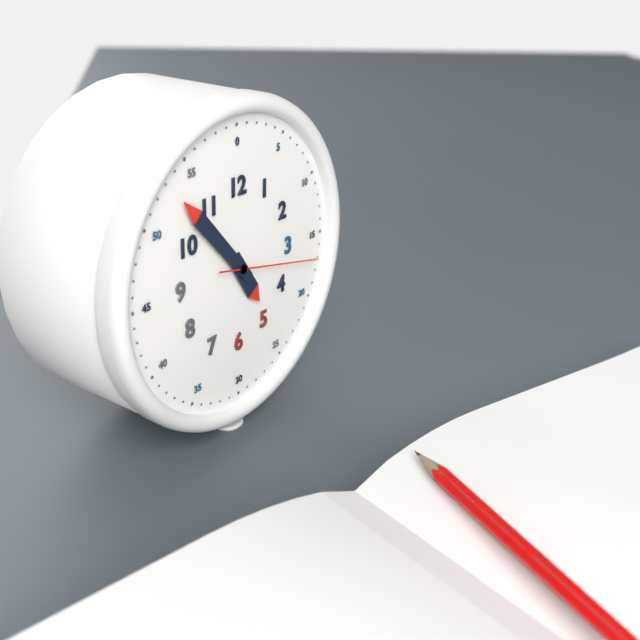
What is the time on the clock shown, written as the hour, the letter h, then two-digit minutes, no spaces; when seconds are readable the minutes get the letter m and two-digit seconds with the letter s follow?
4h53m17s
